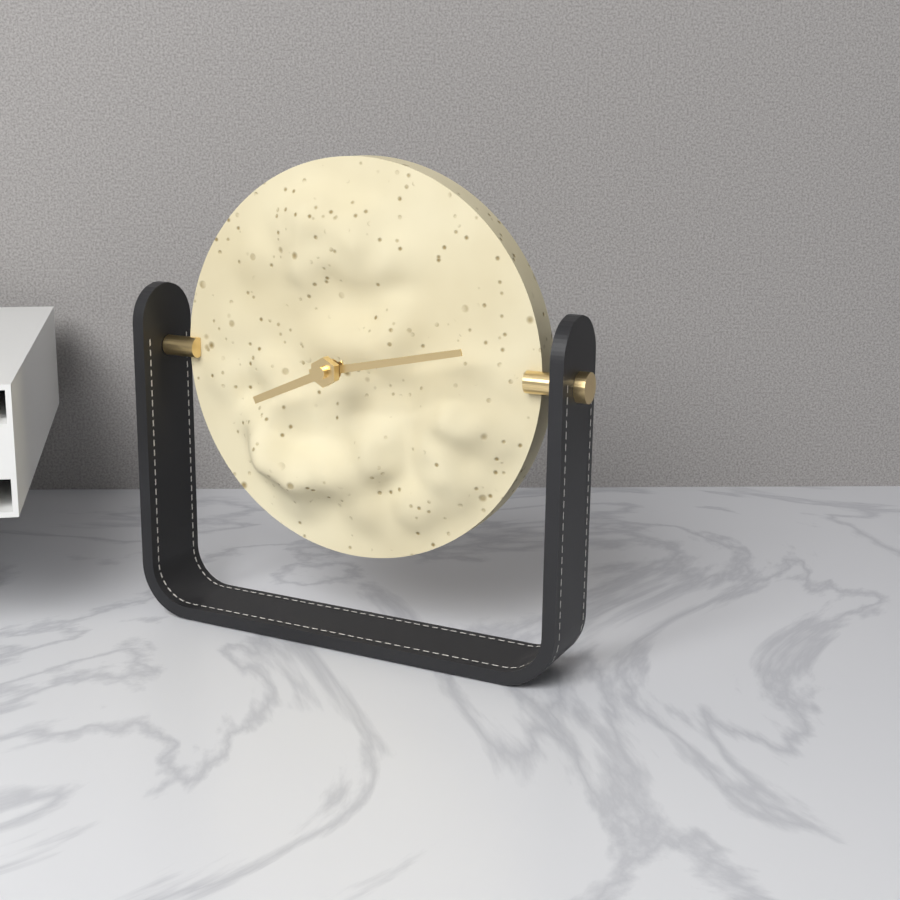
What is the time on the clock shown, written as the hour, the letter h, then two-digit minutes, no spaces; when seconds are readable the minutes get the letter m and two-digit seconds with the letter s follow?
8h13
